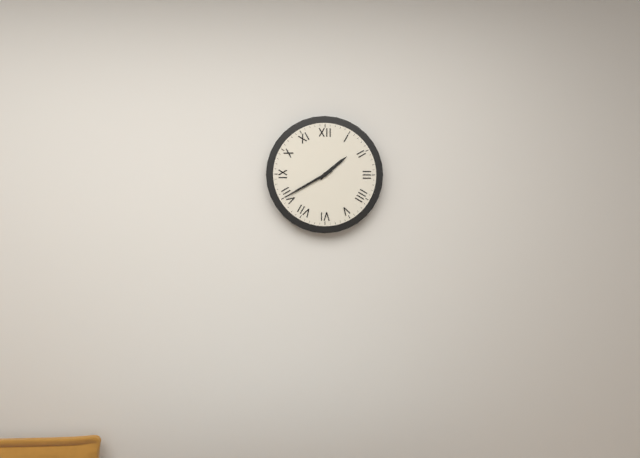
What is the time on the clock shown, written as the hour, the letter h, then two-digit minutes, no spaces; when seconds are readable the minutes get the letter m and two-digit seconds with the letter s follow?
1h40
